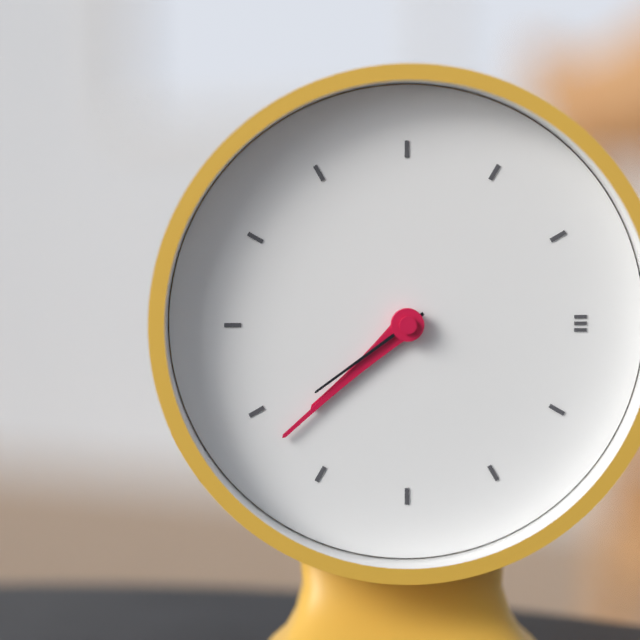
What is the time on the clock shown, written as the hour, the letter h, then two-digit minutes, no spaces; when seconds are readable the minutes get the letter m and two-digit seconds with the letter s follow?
7h38m39s
